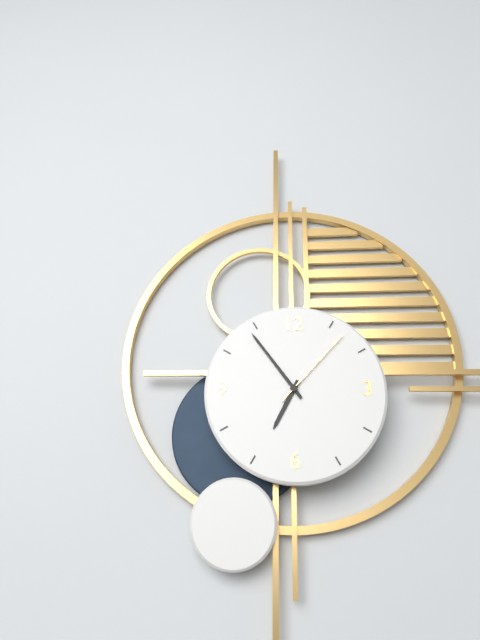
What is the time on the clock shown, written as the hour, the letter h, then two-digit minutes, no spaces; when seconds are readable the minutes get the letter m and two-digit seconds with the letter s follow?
6h54m07s
